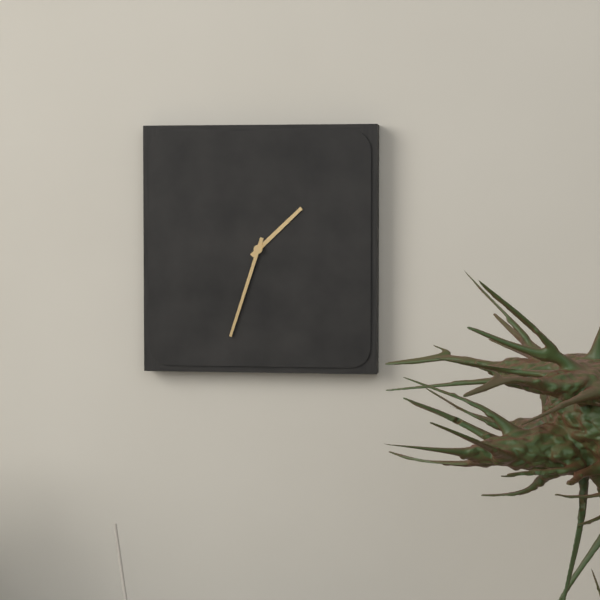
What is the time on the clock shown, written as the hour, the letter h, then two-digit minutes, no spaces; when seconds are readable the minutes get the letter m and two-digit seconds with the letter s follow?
1h33
